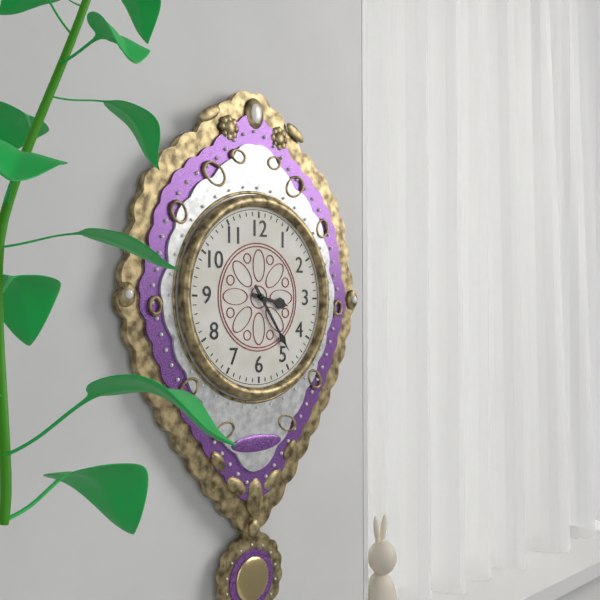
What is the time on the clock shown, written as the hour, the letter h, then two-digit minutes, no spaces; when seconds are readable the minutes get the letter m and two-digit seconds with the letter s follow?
3h24
